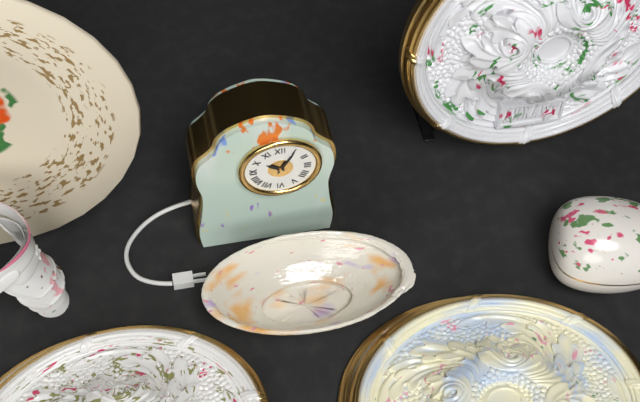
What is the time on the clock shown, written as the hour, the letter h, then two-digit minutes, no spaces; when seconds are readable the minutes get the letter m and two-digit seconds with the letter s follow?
10h05
